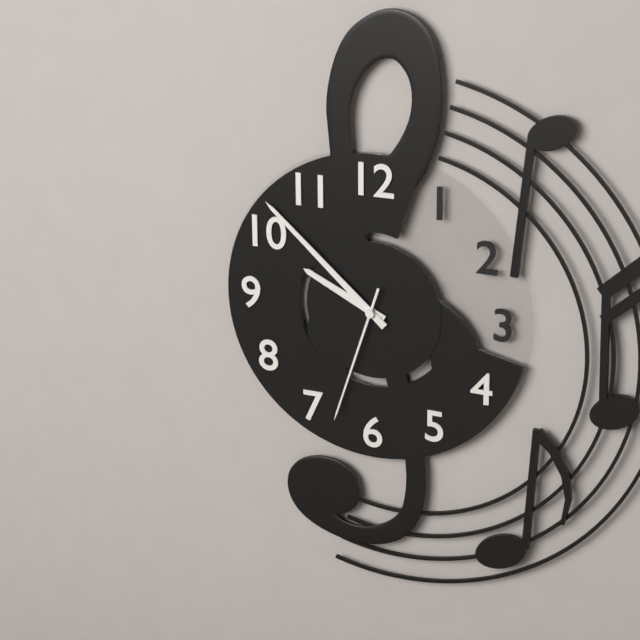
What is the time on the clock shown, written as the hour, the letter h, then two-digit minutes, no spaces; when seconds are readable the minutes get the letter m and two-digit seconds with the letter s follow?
9h52m33s
